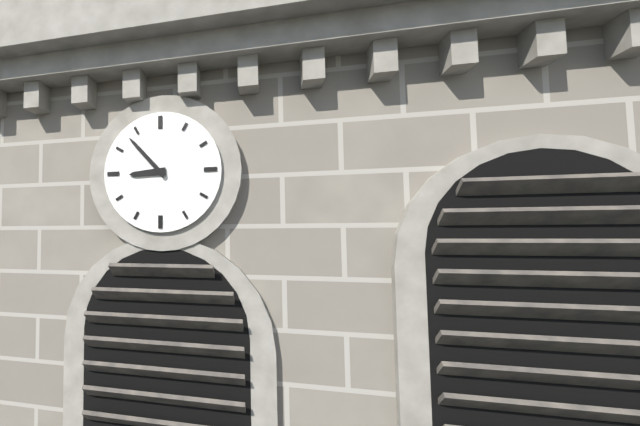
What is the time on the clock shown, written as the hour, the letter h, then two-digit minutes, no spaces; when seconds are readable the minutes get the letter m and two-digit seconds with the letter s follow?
8h53
